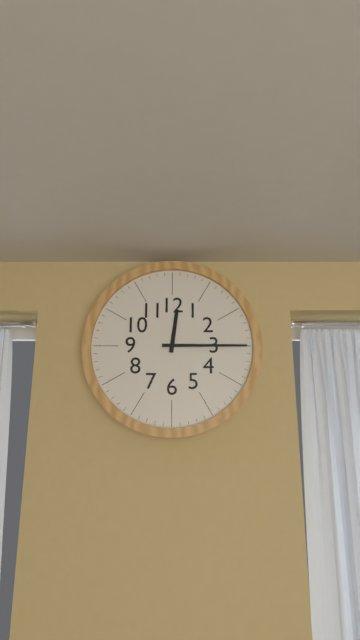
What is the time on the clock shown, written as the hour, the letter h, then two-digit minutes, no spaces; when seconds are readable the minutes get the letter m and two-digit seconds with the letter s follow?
12h15
